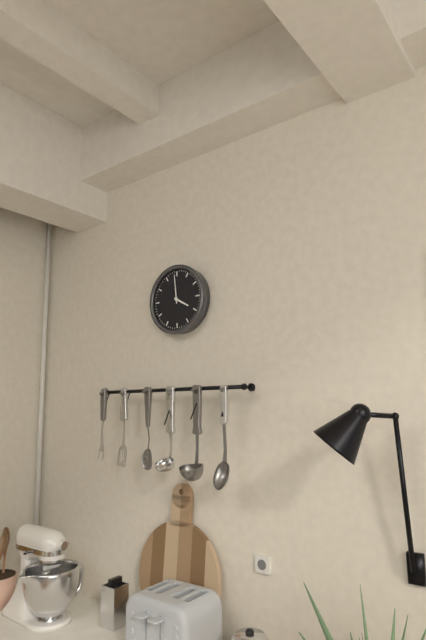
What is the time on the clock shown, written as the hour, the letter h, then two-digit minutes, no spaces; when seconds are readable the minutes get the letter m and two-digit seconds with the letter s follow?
3h59
